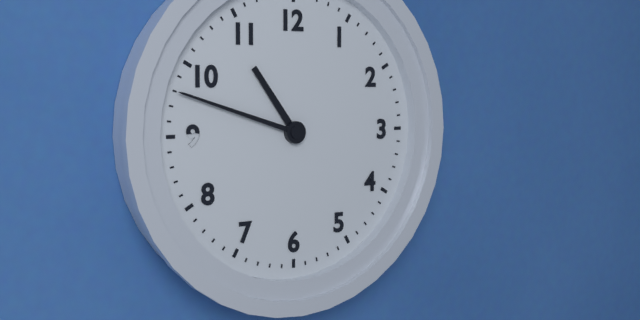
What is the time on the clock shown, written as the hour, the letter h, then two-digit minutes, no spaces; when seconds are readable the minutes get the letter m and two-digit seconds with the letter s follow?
10h48
